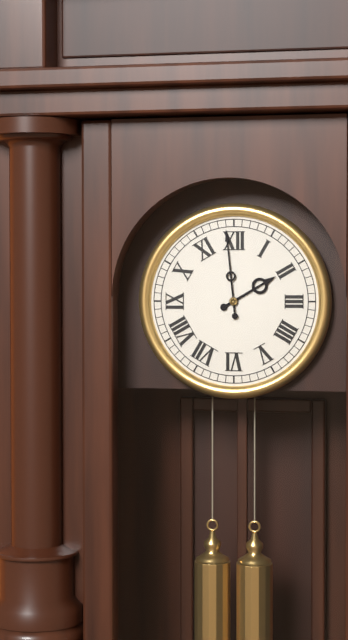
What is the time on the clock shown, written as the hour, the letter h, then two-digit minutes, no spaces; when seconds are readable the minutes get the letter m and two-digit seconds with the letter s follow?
1h59
